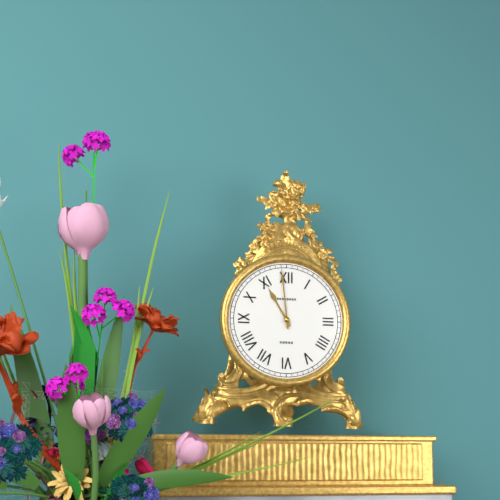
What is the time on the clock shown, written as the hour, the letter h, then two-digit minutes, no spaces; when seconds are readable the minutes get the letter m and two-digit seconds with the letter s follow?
10h59
